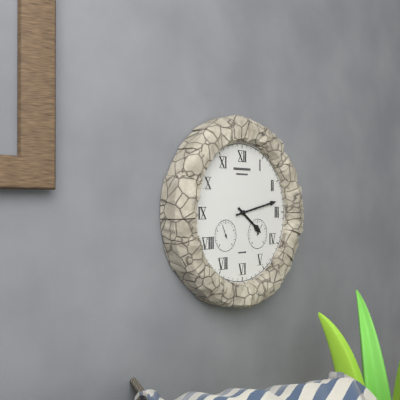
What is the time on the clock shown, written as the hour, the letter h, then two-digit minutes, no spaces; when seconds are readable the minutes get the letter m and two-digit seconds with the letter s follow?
4h13
